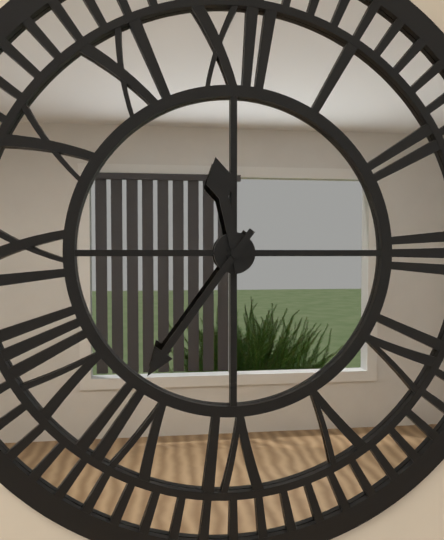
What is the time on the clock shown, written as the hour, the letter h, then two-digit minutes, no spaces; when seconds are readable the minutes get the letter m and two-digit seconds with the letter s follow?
11h36m45s
